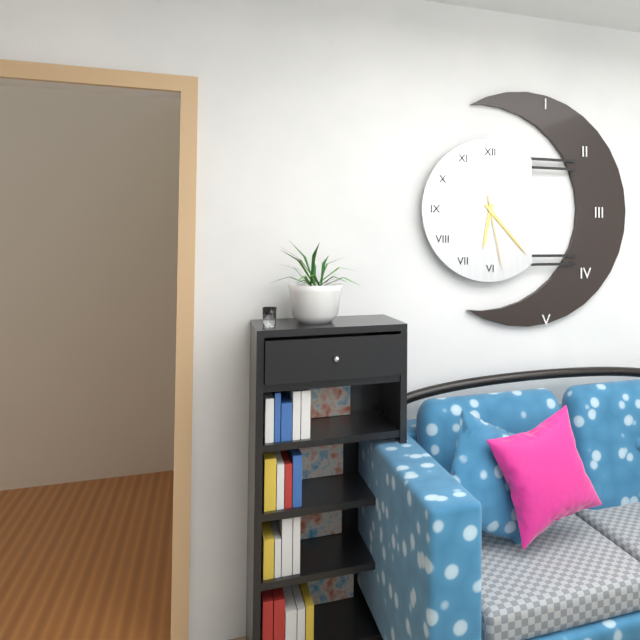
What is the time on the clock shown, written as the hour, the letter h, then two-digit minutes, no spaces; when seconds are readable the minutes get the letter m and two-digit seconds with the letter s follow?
6h23m28s
